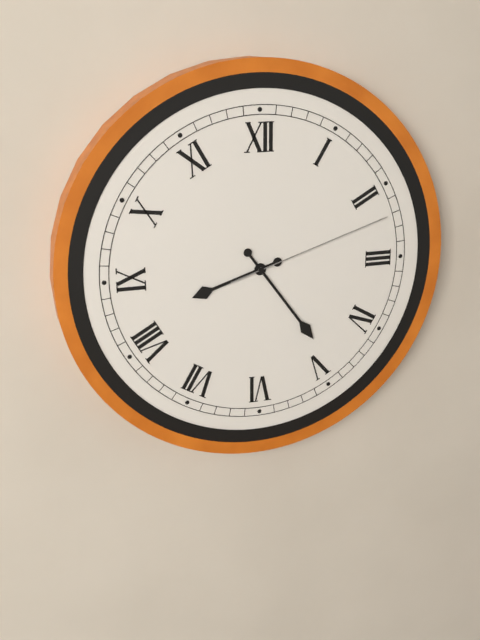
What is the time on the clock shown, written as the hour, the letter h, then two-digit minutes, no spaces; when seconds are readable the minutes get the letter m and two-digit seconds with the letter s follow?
8h24m12s
